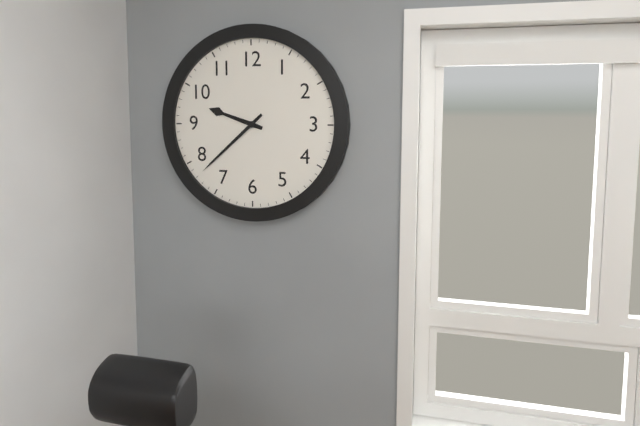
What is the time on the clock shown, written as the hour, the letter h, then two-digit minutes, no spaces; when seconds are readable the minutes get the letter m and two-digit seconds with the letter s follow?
9h38
